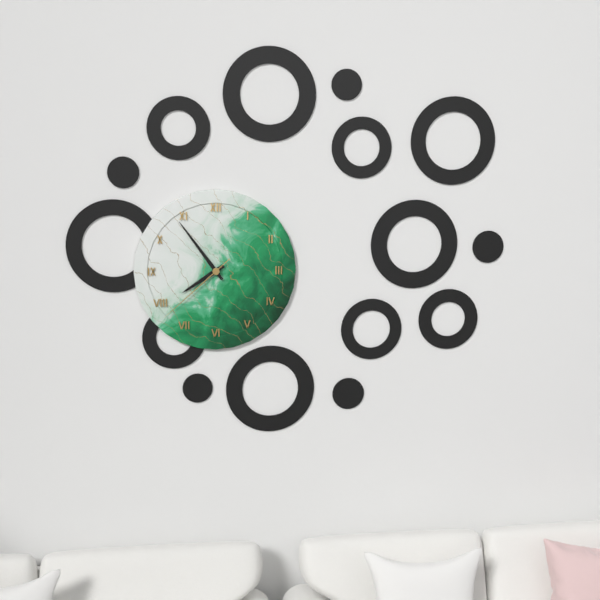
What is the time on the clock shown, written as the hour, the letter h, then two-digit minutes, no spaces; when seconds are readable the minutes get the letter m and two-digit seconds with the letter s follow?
7h54m38s
